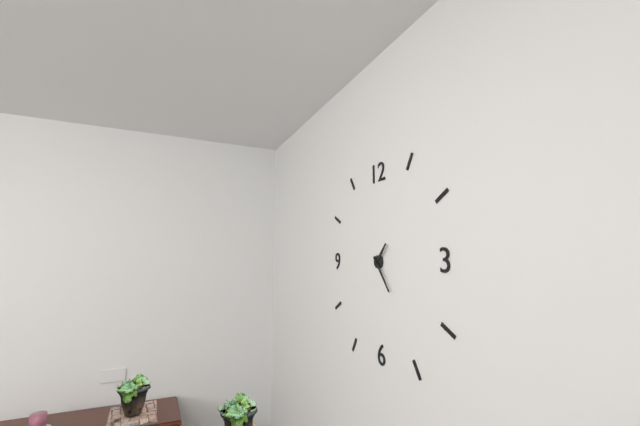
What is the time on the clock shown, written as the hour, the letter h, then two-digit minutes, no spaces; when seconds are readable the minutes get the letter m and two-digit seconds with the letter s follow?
1h24
